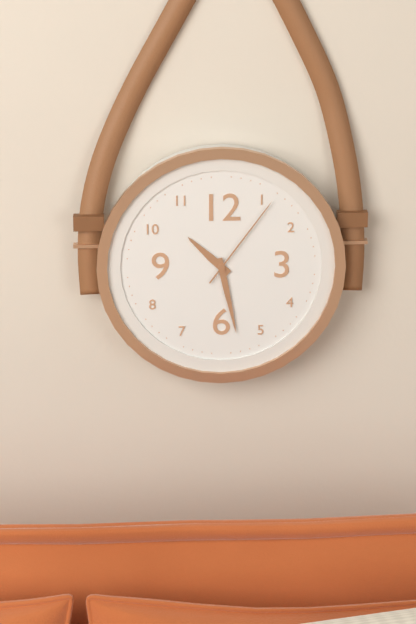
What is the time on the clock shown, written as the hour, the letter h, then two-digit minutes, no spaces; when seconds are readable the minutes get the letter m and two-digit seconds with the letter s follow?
10h28m06s
